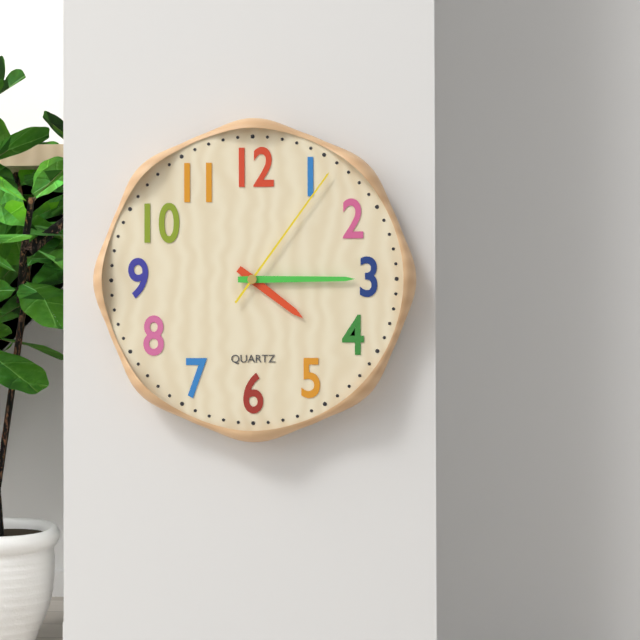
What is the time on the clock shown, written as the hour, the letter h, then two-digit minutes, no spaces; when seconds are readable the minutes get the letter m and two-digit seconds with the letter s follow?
4h15m06s
